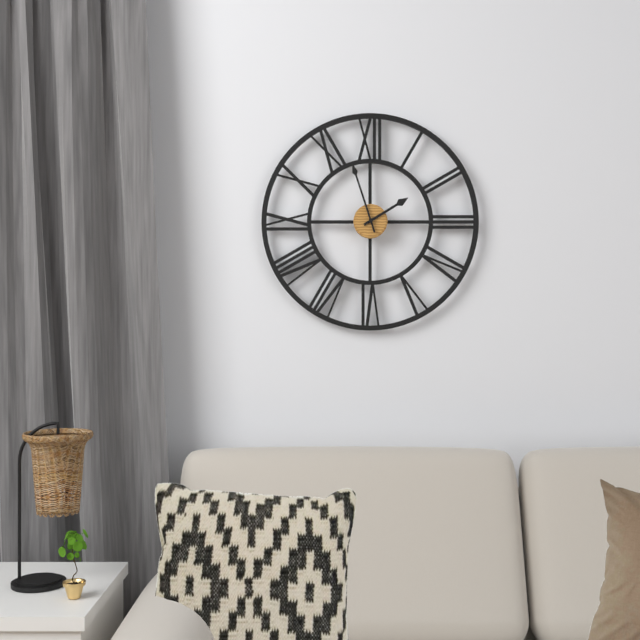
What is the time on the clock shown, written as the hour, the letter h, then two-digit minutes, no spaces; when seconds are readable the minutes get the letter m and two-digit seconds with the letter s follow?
1h57
